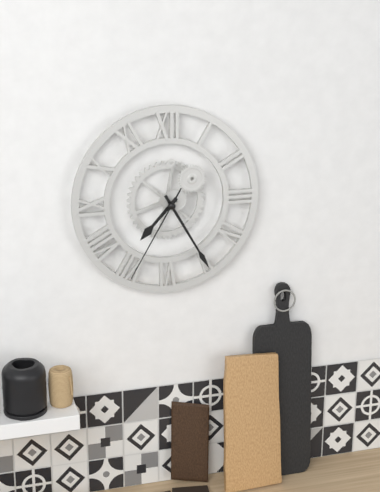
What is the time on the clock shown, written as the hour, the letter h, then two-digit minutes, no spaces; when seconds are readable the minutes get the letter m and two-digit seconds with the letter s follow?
7h25m35s
